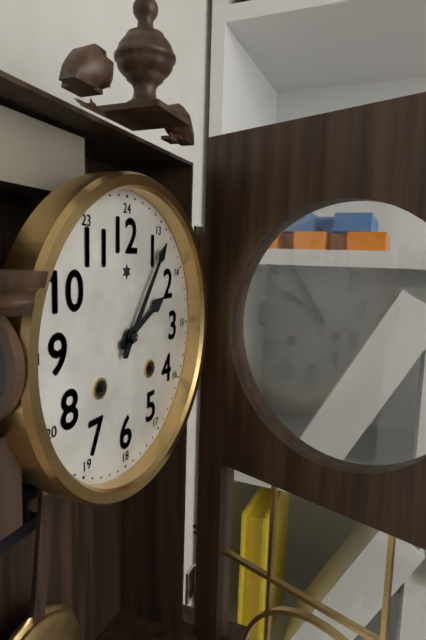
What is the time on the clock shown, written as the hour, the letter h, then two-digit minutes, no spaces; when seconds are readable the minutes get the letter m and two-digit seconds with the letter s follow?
2h06
